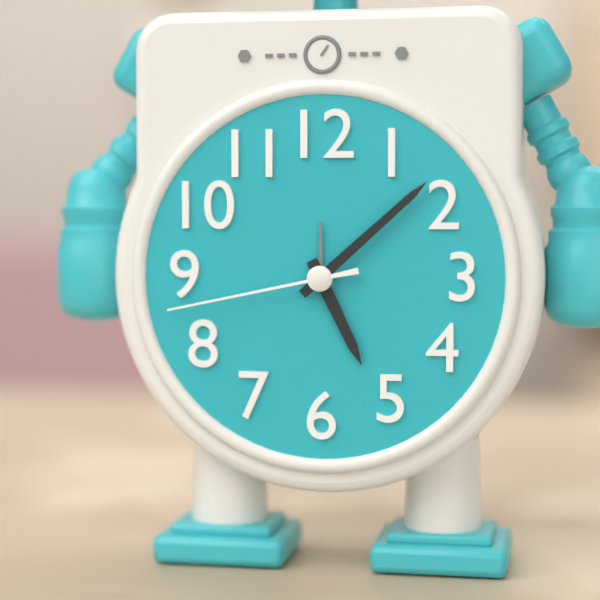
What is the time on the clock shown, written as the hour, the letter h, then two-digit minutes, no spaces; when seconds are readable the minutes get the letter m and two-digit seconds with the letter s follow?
5h08m43s
